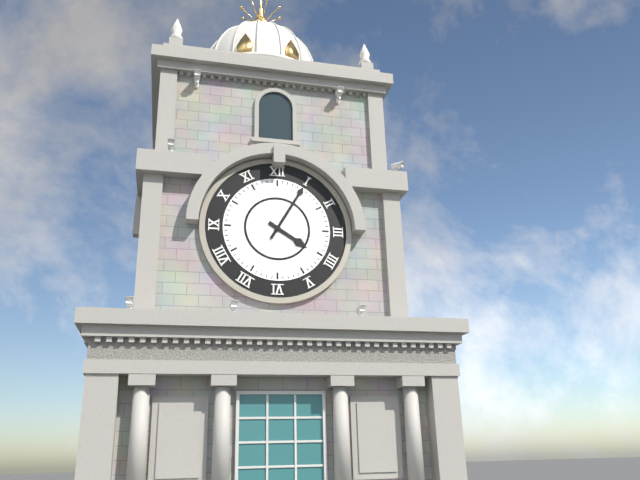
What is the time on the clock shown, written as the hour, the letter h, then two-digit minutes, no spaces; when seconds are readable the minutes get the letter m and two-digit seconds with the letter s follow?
4h05
